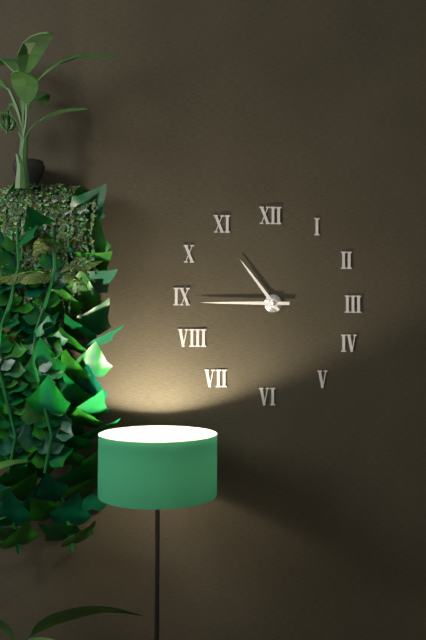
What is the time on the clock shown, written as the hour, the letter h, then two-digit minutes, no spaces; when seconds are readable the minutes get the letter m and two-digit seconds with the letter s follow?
10h45
